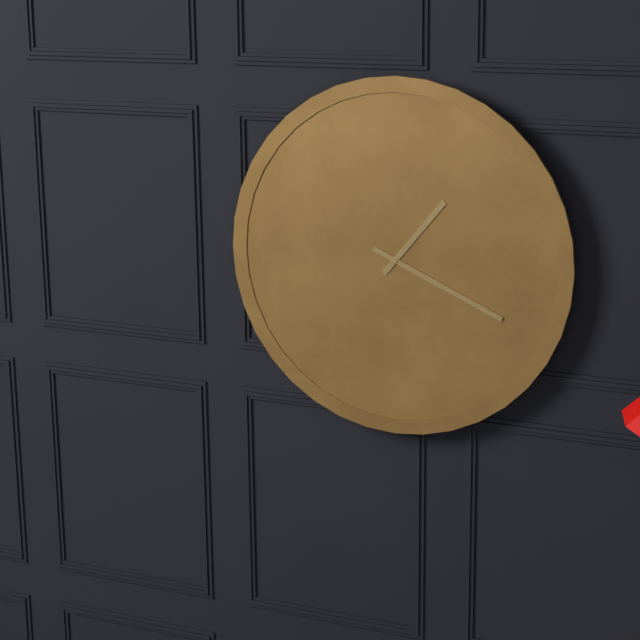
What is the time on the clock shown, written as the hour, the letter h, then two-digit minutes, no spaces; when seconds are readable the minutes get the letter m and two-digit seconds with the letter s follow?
1h19
